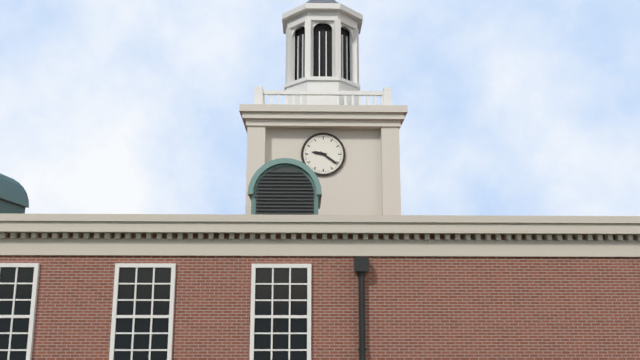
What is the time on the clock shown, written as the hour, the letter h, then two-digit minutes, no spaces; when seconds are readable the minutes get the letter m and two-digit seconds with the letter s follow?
9h21
